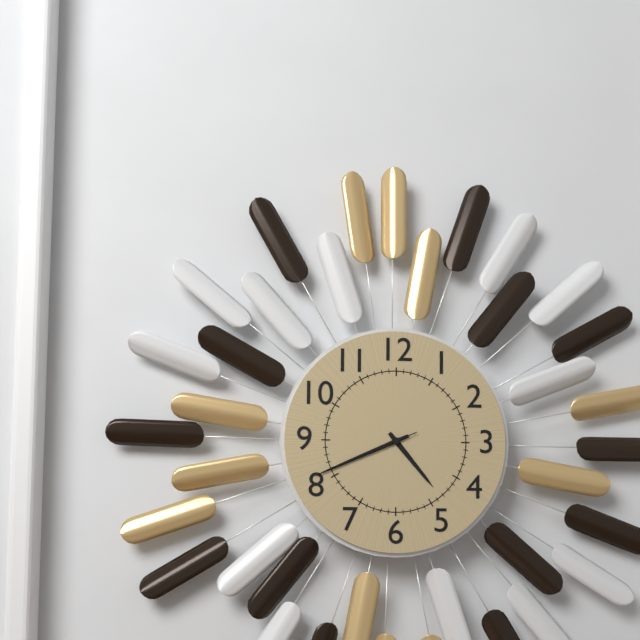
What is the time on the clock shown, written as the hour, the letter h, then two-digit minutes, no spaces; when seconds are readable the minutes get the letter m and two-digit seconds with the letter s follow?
4h41m41s
